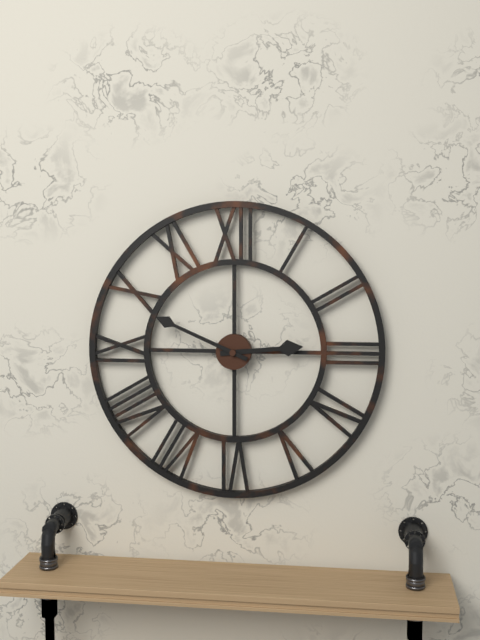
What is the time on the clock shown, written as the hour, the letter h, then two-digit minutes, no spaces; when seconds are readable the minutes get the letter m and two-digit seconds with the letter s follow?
2h49
